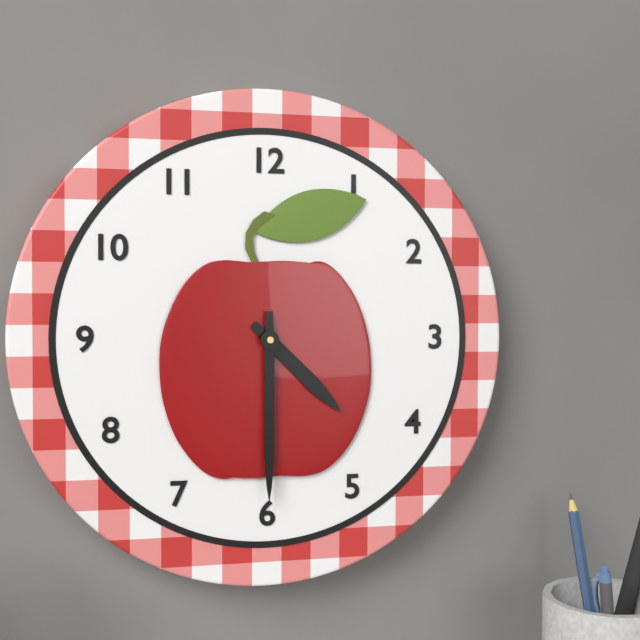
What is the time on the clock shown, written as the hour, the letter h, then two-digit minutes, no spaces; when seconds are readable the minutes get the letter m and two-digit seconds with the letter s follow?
4h30
